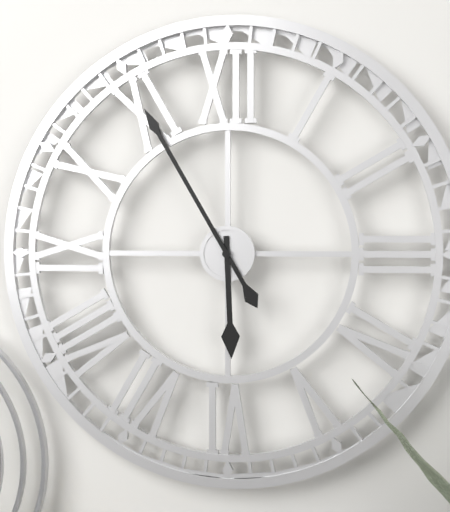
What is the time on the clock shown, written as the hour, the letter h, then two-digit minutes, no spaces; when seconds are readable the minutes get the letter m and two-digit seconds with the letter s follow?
5h55
